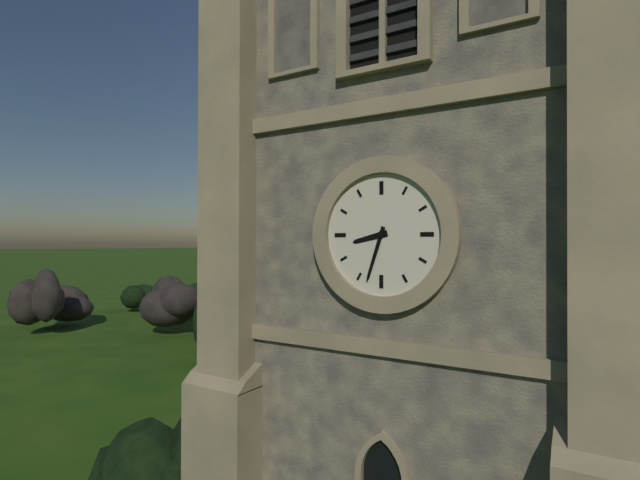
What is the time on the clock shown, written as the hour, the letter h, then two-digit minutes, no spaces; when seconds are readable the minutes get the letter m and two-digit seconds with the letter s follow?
8h33
